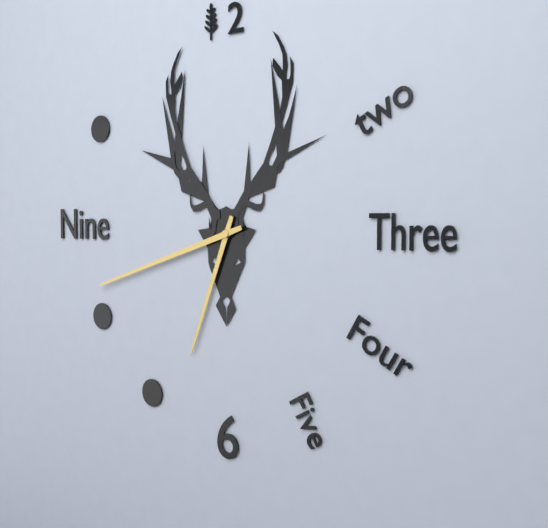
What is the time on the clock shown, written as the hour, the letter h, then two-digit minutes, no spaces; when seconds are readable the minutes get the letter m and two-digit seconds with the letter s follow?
6h42
